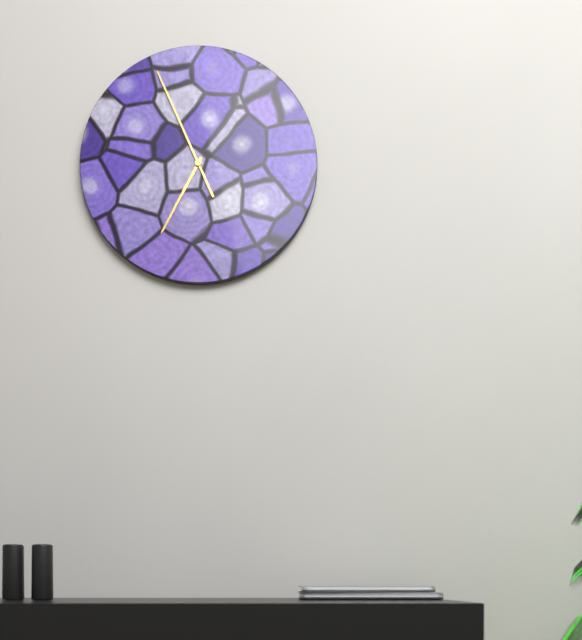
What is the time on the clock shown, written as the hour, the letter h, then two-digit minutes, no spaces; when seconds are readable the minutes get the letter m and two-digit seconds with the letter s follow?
6h56
